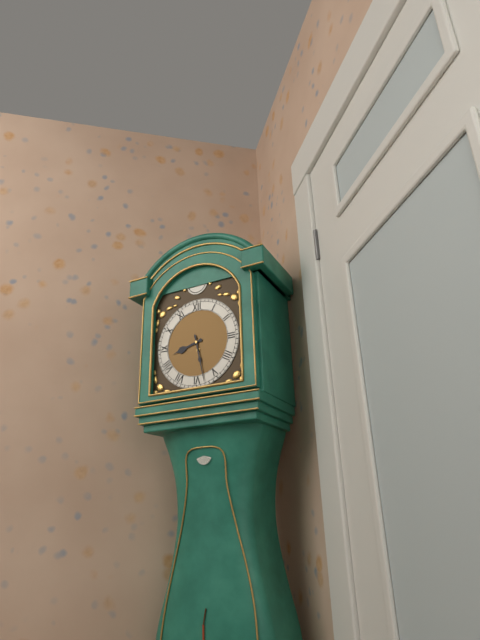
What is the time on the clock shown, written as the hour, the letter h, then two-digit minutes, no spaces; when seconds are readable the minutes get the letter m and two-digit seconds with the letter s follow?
8h28
